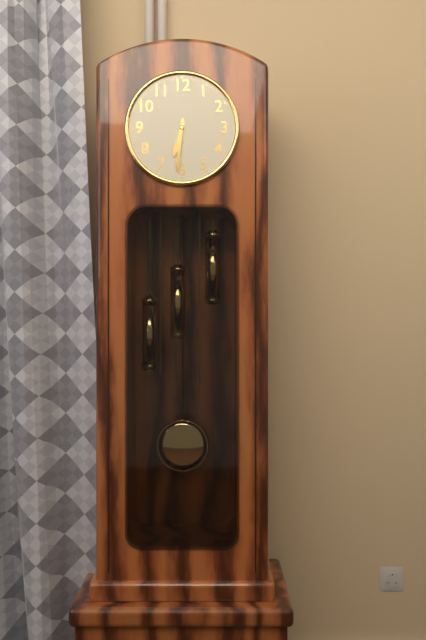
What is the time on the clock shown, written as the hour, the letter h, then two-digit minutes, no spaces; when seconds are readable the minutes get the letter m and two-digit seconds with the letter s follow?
6h31
